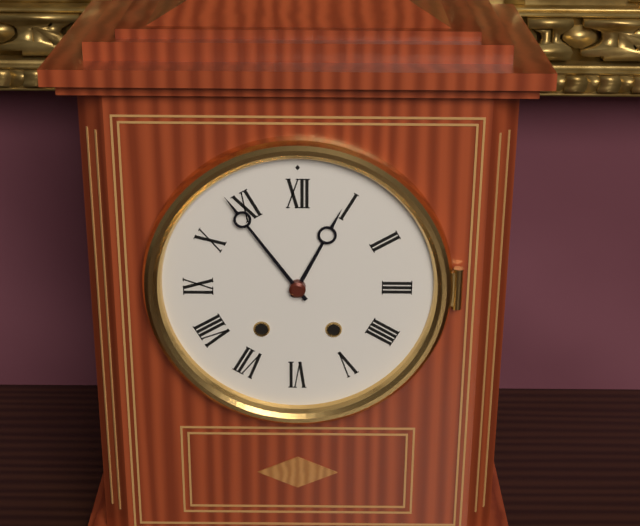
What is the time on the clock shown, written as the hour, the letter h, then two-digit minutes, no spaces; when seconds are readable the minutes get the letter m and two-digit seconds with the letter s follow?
12h54
